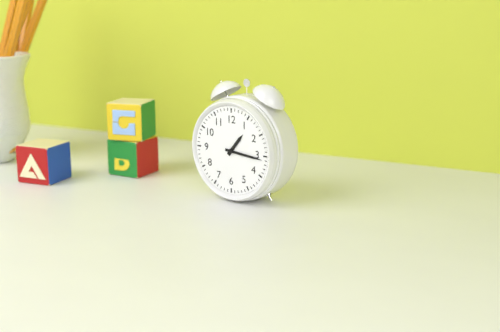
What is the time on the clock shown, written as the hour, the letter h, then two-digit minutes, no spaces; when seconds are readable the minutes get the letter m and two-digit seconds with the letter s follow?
1h16
